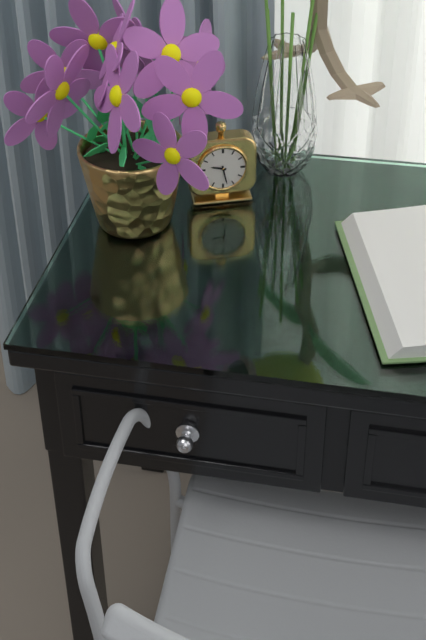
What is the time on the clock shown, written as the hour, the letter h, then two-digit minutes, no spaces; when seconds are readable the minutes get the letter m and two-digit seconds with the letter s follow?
9h28
